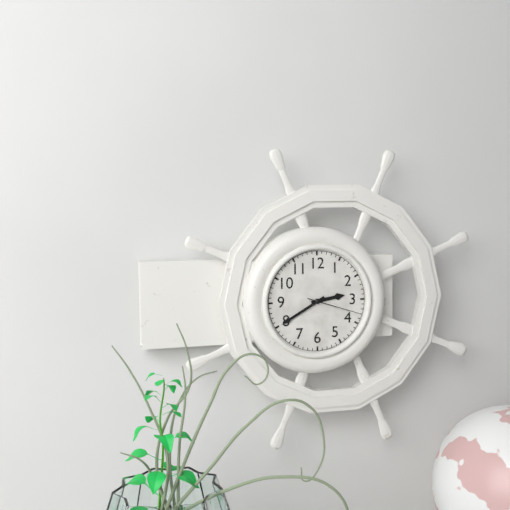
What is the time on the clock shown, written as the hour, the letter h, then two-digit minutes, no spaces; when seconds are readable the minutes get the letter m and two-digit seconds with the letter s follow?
2h40m18s
